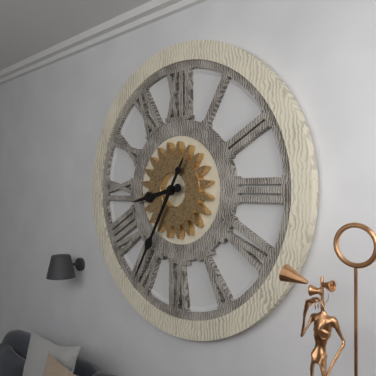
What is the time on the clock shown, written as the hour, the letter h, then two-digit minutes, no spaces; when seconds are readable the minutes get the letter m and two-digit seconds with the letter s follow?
8h35
